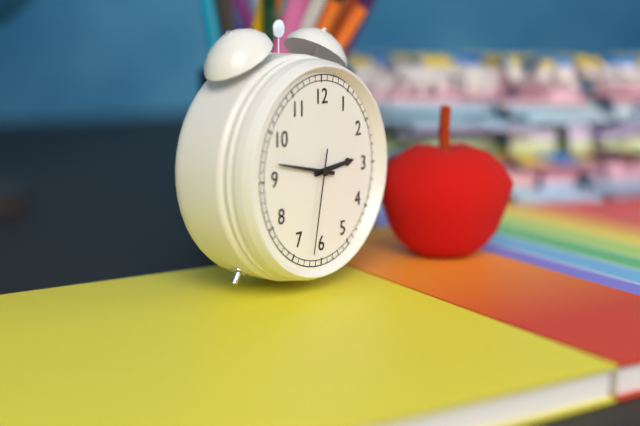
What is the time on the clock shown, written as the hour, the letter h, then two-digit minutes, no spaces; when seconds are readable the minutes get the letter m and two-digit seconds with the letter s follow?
2h47m32s
